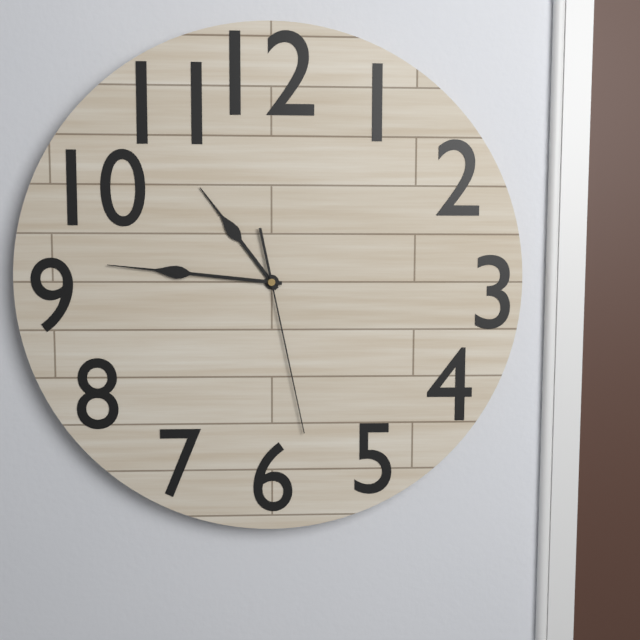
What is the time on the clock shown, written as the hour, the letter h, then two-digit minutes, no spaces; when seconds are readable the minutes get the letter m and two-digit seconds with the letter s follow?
10h46m28s
